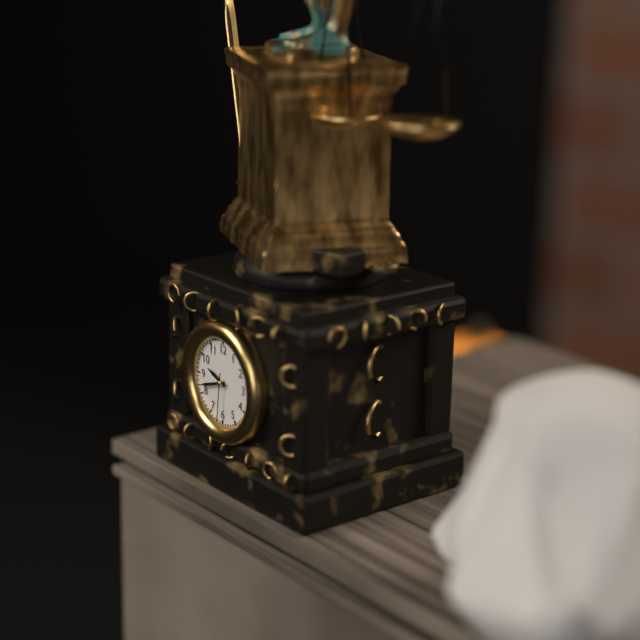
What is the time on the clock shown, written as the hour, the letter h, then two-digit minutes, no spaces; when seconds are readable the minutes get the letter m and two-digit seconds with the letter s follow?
9h42m31s
